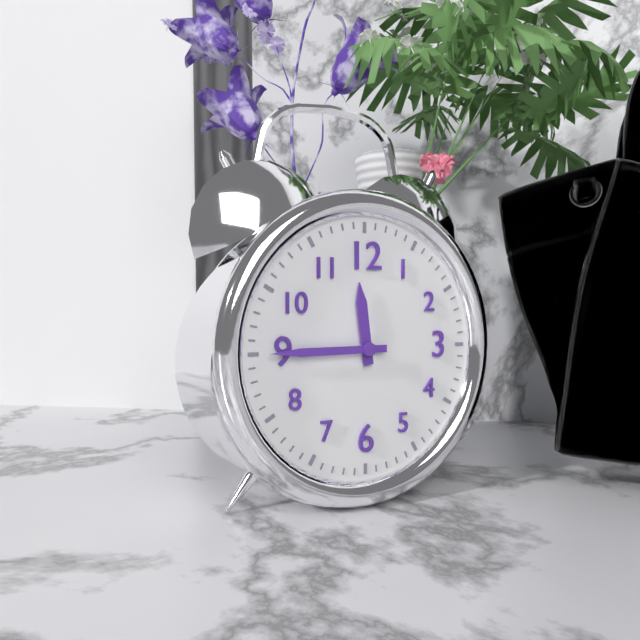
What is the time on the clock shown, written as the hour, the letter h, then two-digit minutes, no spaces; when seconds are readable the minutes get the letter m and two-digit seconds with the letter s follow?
11h45
